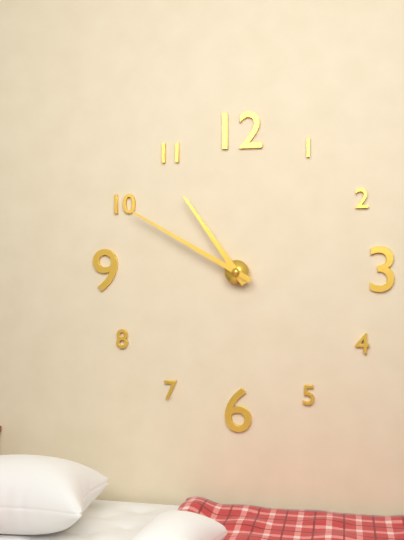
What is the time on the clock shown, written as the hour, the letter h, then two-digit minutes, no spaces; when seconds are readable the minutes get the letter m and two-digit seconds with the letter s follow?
10h50
